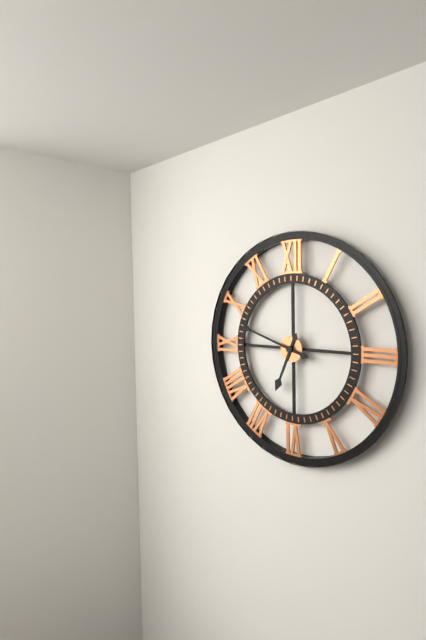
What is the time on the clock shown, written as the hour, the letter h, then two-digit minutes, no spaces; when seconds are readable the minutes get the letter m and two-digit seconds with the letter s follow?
6h48
